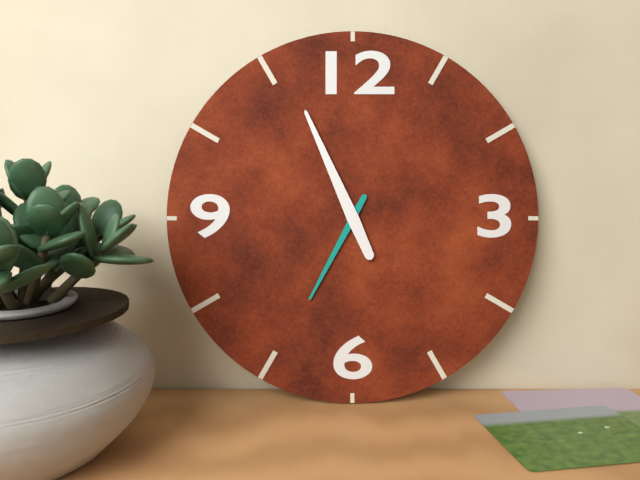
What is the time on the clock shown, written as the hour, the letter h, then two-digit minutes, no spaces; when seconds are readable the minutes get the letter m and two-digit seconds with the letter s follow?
6h56
